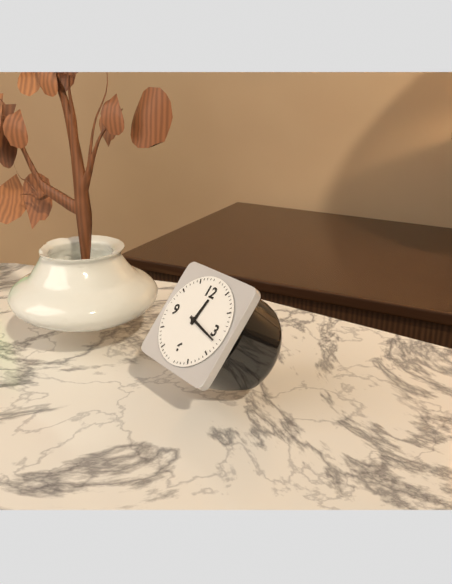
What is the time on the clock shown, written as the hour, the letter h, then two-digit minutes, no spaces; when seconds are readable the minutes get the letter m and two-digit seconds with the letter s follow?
12h17
